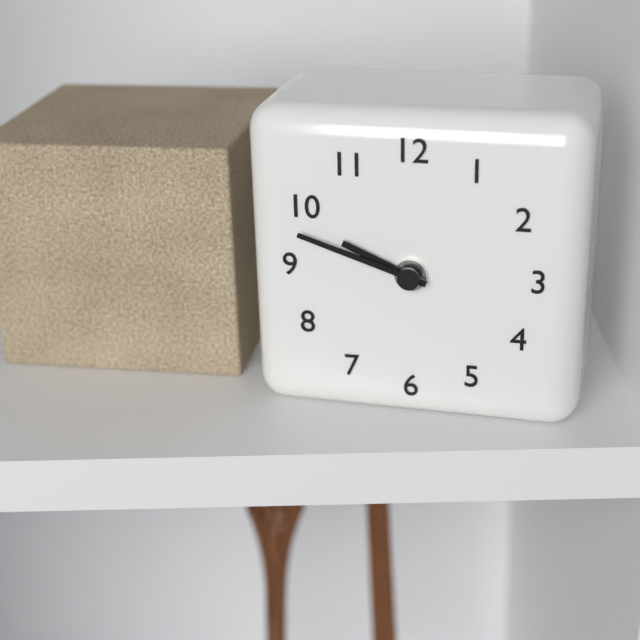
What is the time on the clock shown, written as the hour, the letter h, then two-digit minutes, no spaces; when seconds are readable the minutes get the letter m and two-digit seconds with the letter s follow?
9h48
